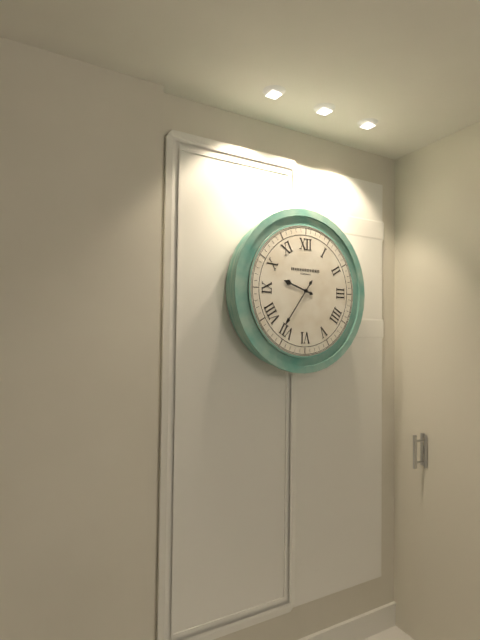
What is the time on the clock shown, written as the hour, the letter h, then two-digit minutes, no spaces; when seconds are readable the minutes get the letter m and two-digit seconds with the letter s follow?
9h36
